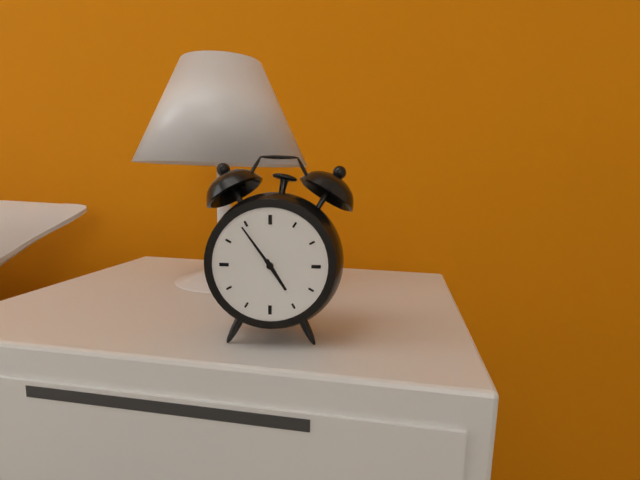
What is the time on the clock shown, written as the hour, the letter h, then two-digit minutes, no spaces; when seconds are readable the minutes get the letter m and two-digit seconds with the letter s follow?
4h54
